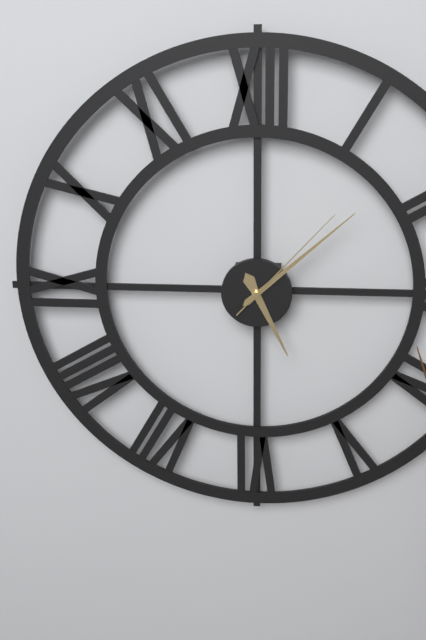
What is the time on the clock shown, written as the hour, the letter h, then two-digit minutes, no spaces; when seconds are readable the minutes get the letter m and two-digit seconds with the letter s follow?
5h08m07s
